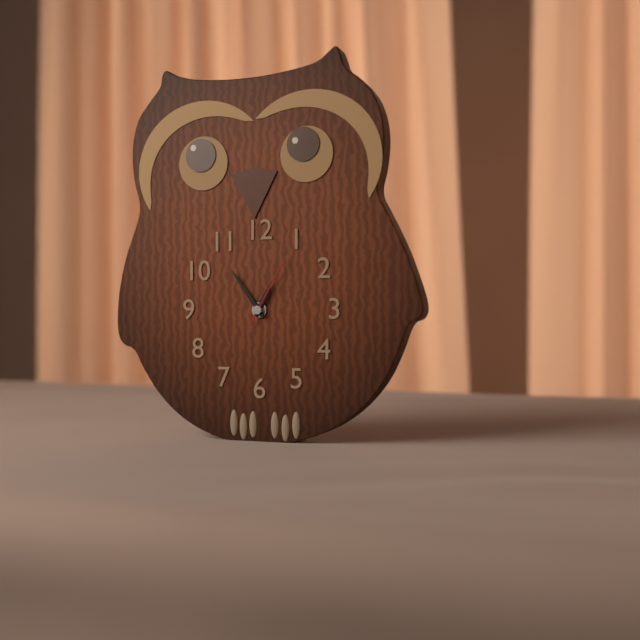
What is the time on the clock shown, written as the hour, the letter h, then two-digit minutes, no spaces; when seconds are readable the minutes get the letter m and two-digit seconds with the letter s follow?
12h54m05s
